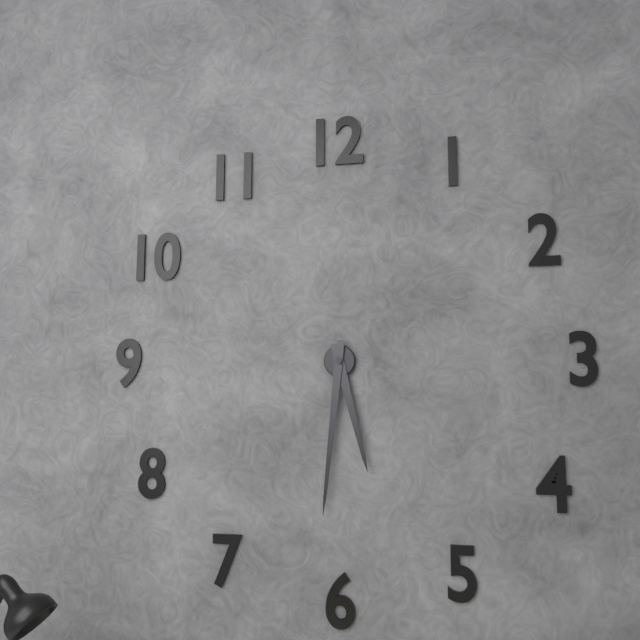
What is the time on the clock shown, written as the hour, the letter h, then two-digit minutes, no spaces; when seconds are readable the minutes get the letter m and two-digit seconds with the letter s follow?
5h31
